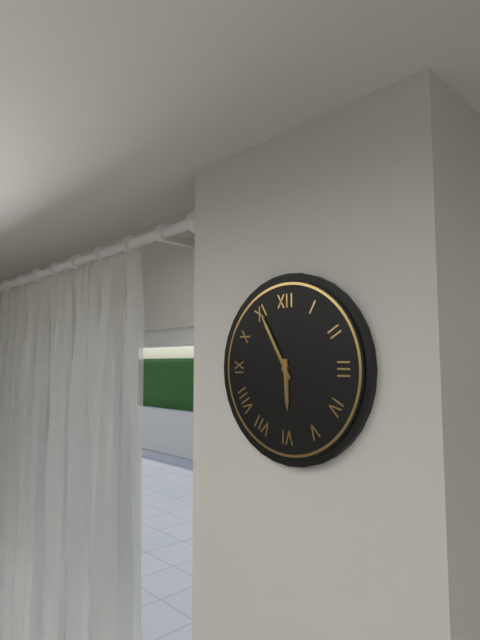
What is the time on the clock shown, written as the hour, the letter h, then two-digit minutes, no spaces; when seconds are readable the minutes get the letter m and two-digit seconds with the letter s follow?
5h55
